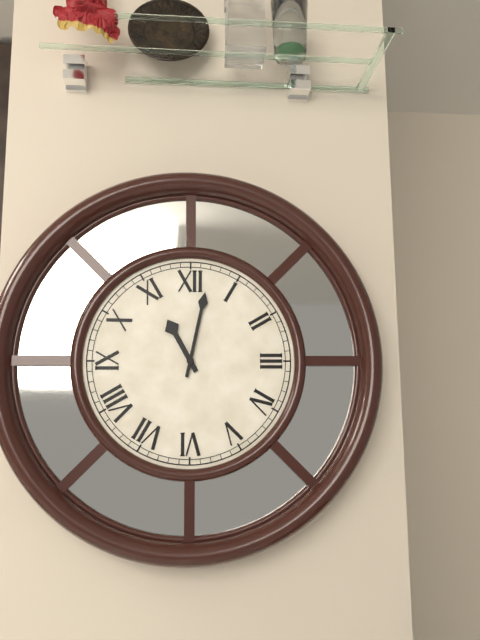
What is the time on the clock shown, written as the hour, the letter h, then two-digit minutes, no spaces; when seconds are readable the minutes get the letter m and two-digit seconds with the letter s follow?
11h02
